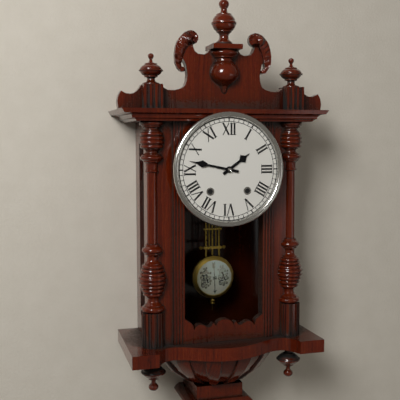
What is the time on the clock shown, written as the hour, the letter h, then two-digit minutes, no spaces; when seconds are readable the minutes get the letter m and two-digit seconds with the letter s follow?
1h47
